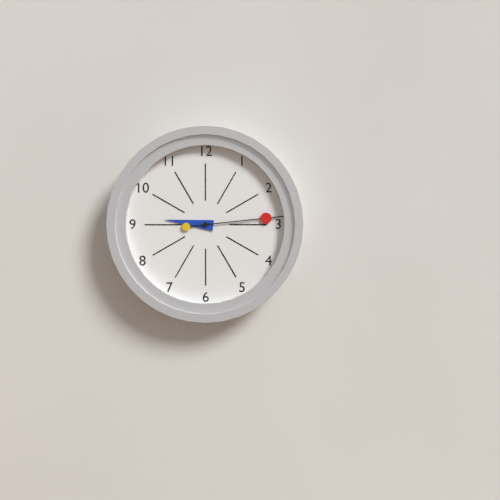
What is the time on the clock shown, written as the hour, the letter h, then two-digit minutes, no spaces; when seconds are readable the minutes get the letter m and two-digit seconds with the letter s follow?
9h14
